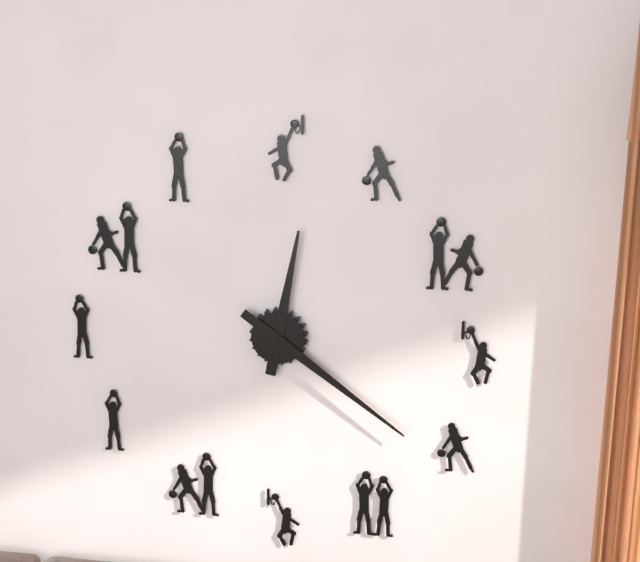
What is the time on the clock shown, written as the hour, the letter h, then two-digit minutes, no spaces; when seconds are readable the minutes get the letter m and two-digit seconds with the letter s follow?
12h21
